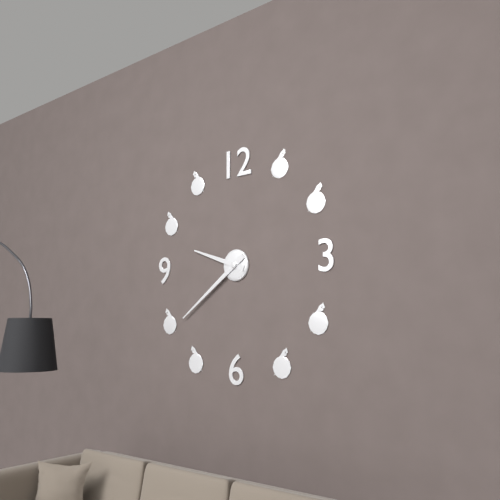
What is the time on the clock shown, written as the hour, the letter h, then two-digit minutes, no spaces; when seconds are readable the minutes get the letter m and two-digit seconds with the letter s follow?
9h39
